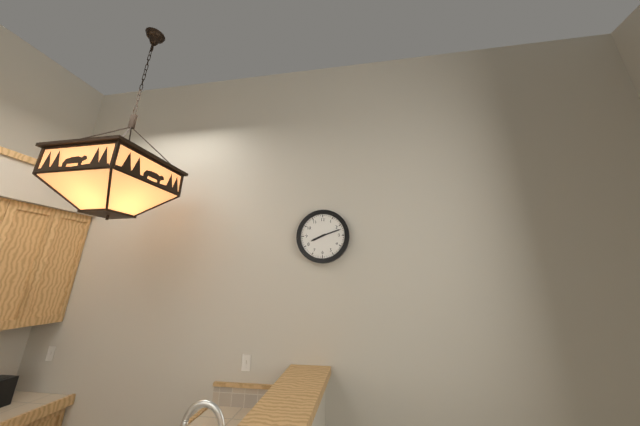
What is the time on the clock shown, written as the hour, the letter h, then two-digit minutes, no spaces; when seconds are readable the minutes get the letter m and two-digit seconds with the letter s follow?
8h12
